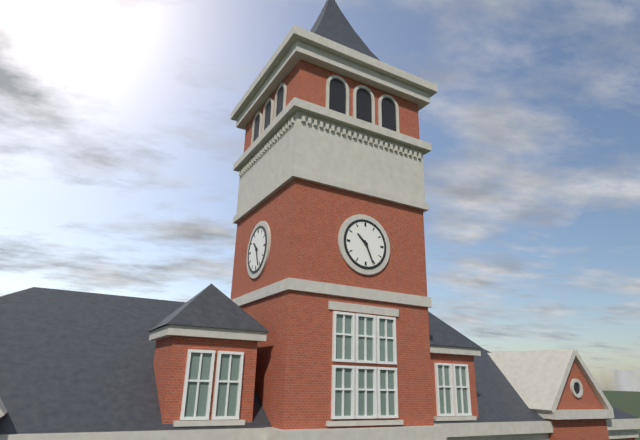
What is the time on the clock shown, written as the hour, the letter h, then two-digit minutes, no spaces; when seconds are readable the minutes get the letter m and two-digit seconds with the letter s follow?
10h26
